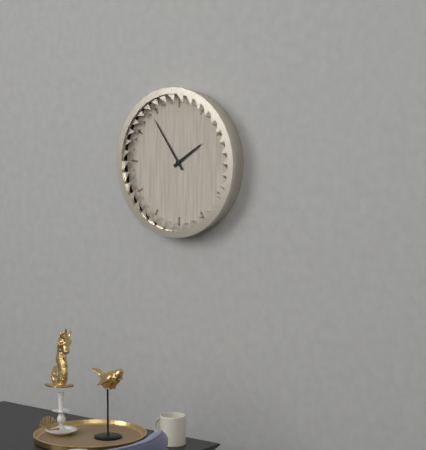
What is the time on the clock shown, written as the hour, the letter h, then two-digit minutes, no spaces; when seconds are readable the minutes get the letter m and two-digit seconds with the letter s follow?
1h54
